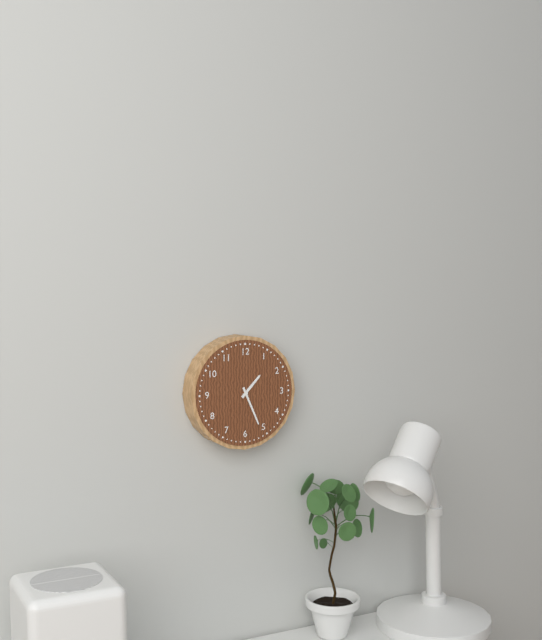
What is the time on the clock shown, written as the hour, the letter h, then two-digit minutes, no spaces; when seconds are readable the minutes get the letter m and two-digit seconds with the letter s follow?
1h26
